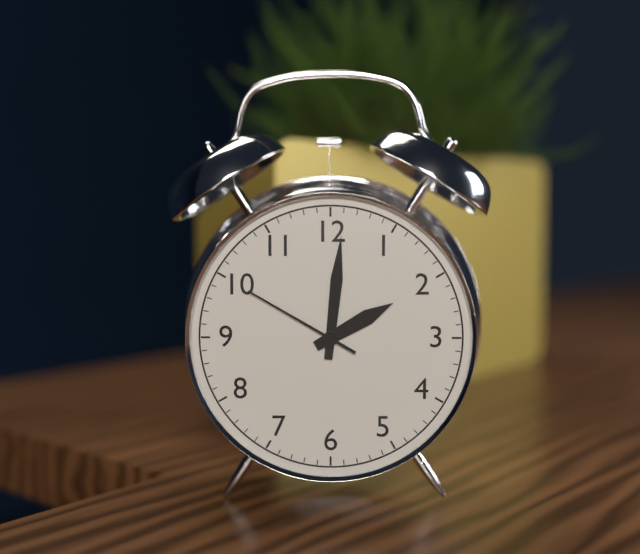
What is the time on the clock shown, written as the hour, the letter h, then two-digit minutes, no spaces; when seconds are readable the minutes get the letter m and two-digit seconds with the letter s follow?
2h01m50s
